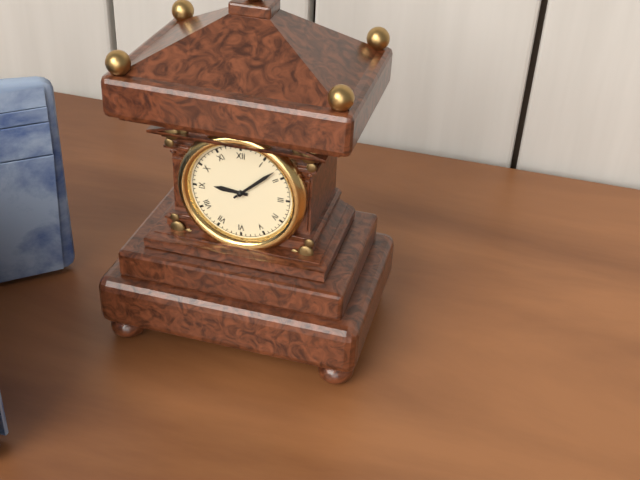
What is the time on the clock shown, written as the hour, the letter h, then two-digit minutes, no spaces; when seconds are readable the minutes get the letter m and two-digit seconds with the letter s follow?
9h08
